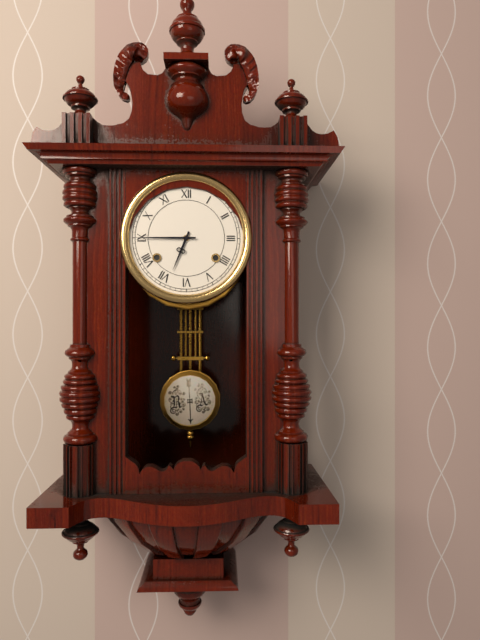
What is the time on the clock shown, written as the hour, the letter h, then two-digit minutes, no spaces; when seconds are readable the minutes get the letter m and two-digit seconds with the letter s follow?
6h45
